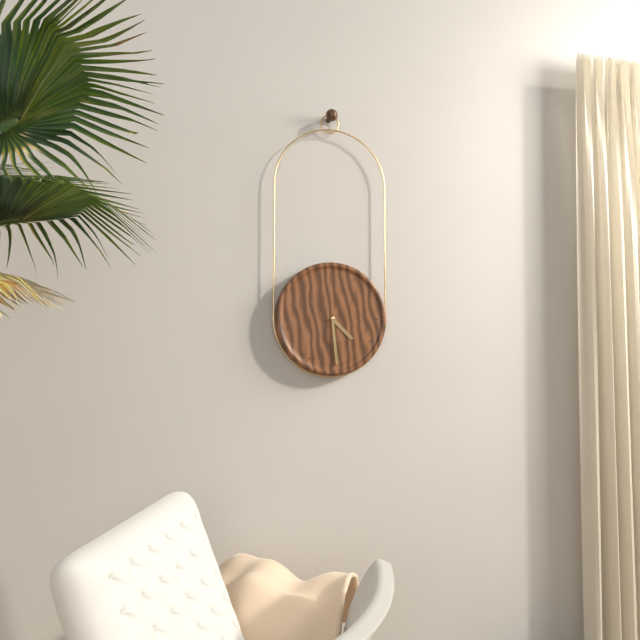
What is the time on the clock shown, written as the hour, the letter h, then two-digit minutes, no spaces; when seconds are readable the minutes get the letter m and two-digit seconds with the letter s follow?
4h29
